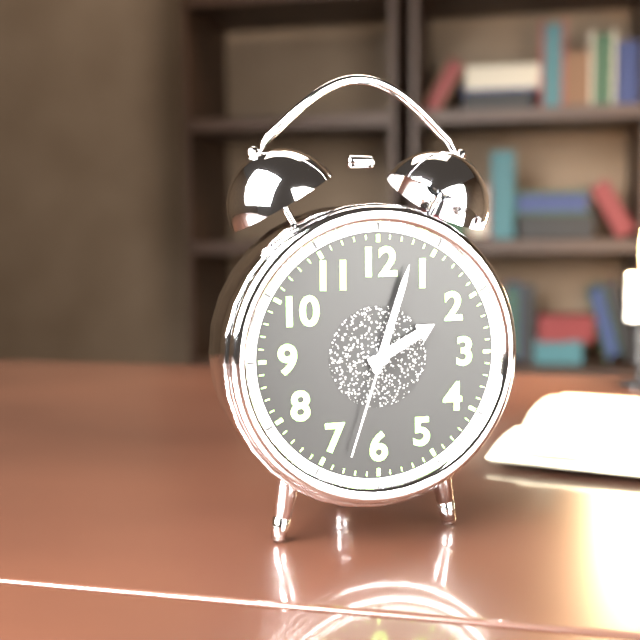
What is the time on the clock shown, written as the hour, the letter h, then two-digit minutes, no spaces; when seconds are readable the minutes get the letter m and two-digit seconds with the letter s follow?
2h03m33s
